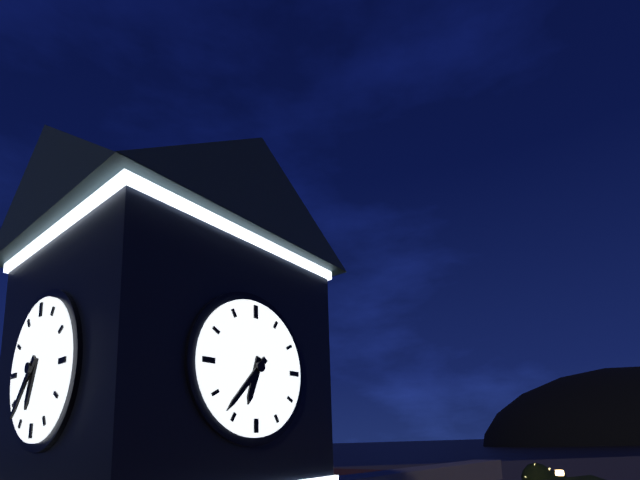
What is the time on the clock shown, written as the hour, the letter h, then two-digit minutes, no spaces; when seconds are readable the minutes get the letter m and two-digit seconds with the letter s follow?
6h37
